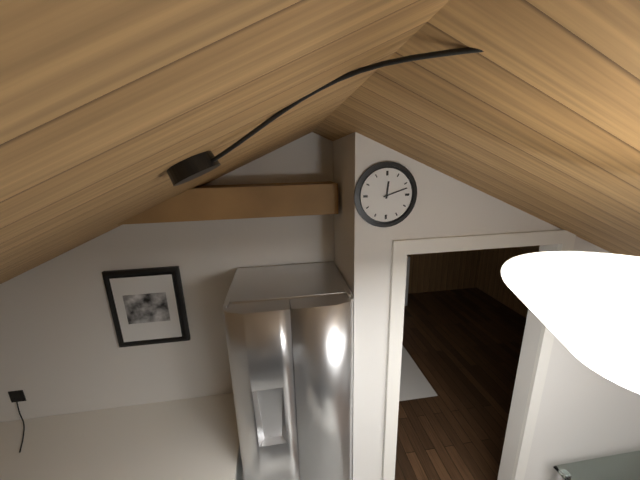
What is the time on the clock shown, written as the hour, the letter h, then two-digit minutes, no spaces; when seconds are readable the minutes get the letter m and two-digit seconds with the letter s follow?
12h12
